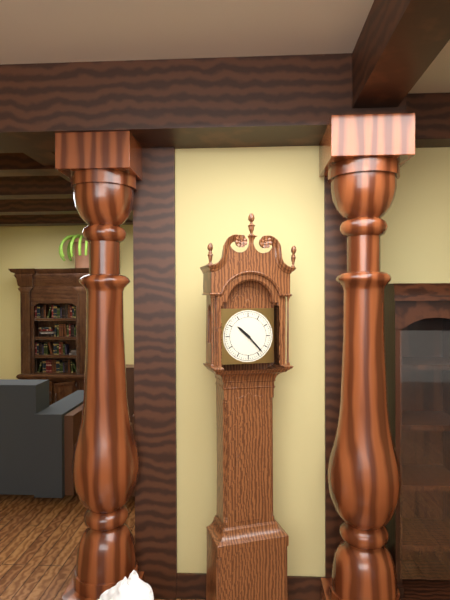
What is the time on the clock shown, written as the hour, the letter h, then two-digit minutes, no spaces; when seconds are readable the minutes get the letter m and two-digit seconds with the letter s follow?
10h23
